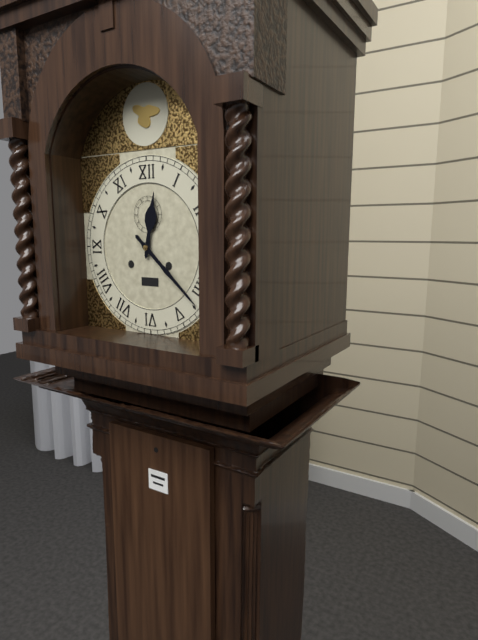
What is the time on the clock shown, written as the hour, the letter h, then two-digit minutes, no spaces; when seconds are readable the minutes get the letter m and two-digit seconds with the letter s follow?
12h22
